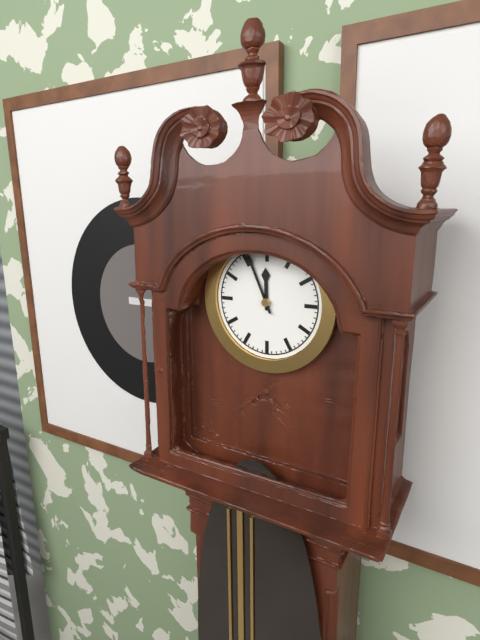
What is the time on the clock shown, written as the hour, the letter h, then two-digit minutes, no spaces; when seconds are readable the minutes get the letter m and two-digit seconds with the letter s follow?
11h56
